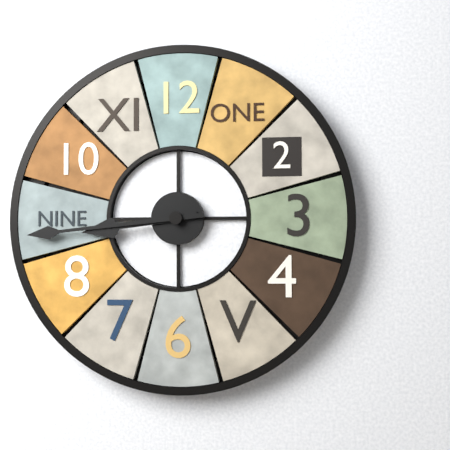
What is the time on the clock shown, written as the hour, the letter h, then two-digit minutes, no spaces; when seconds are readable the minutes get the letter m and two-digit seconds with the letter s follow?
8h44
